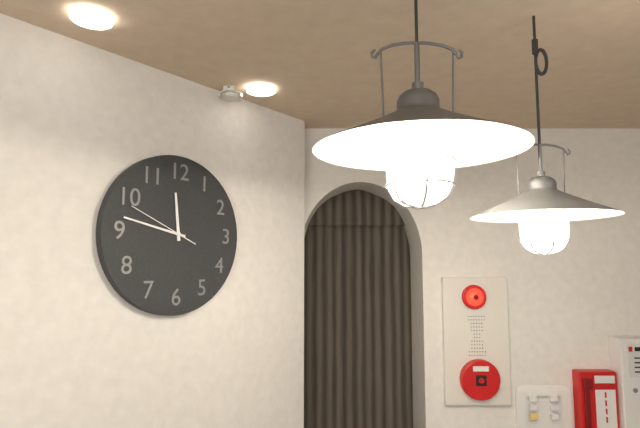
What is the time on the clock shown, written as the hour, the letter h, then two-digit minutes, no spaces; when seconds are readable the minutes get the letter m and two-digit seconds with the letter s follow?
11h47m49s
